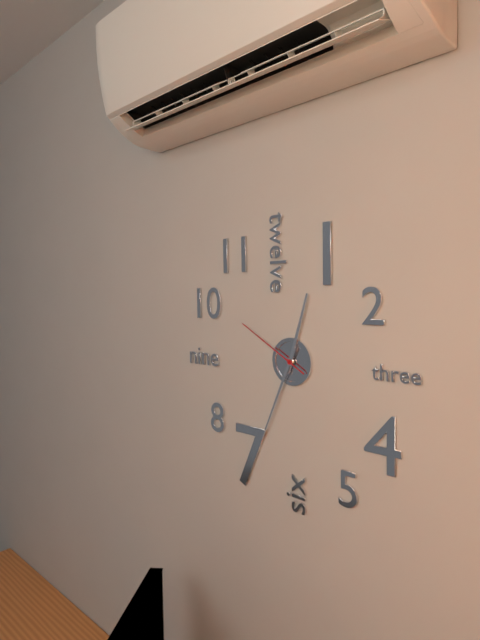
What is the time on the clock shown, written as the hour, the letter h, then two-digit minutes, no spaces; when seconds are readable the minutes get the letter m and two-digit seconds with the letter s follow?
12h34m50s
